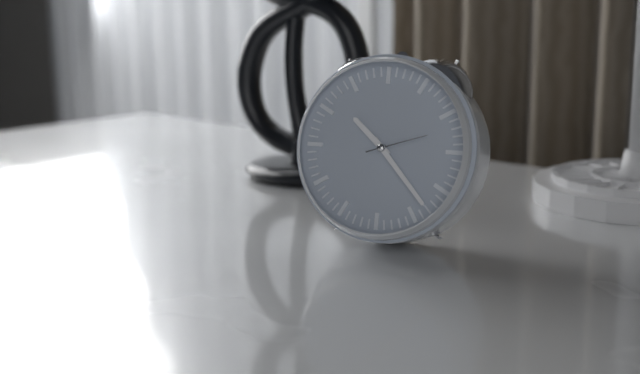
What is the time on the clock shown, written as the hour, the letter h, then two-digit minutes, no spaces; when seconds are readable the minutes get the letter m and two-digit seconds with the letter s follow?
10h23m12s
